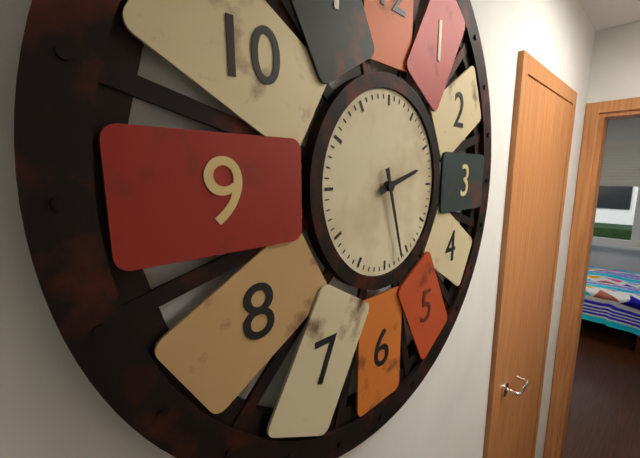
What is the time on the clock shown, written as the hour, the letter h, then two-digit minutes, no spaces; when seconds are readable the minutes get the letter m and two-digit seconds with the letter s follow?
2h27
